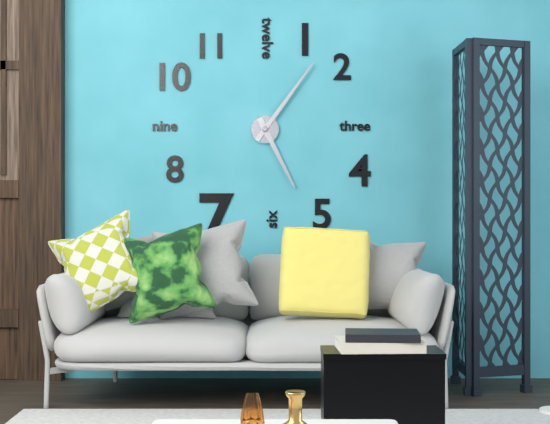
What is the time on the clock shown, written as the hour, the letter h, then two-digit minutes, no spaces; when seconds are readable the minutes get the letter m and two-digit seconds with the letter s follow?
5h06
